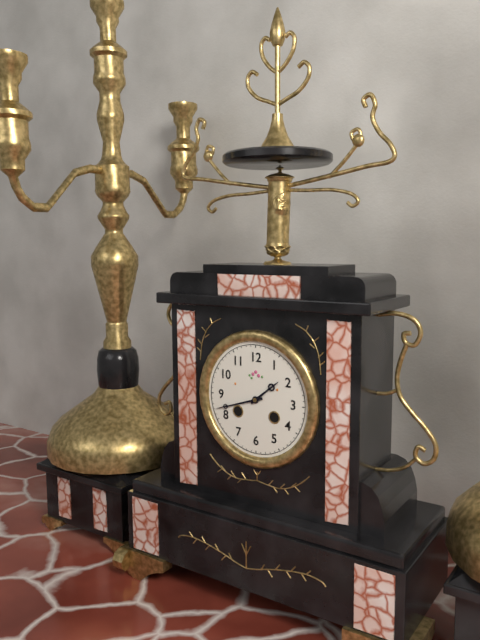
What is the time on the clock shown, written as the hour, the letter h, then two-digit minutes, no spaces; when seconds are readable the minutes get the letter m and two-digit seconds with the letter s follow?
1h42
